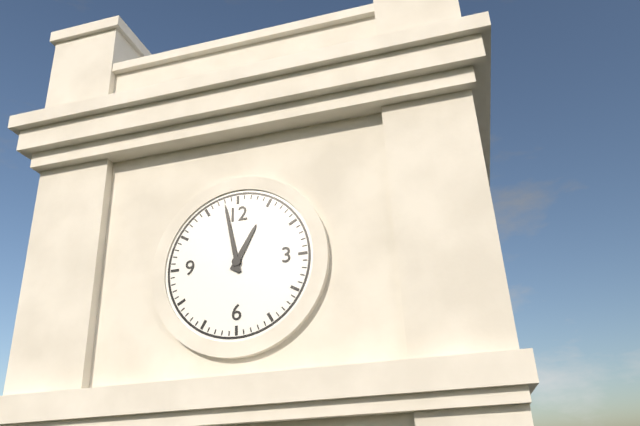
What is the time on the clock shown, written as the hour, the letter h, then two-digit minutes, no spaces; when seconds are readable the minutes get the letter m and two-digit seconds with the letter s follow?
12h58
